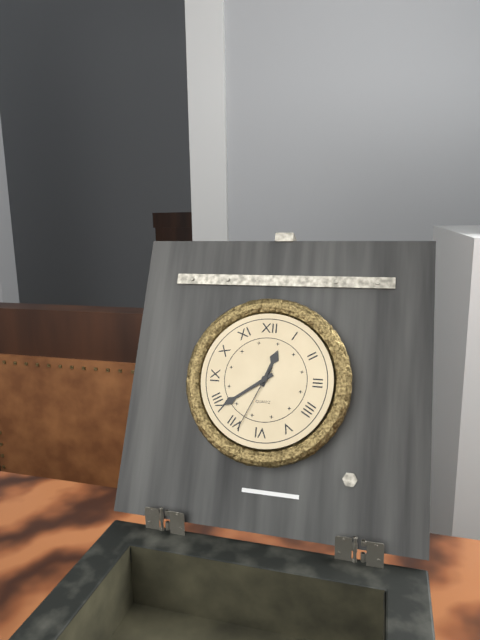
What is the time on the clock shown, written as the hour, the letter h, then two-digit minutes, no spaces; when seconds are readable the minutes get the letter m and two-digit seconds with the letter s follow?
12h39m34s
